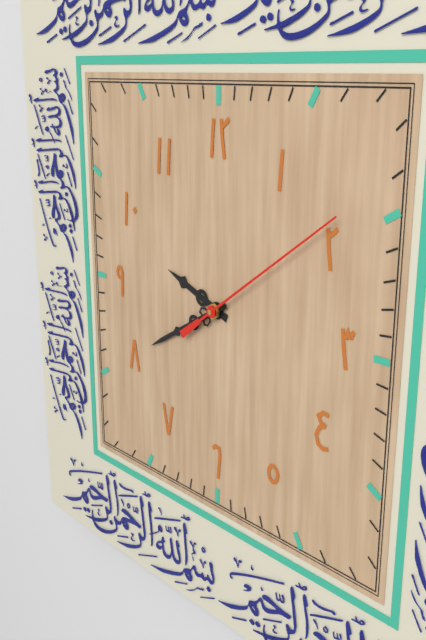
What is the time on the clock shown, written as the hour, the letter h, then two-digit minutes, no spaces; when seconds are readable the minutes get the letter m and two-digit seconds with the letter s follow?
9h40m09s
